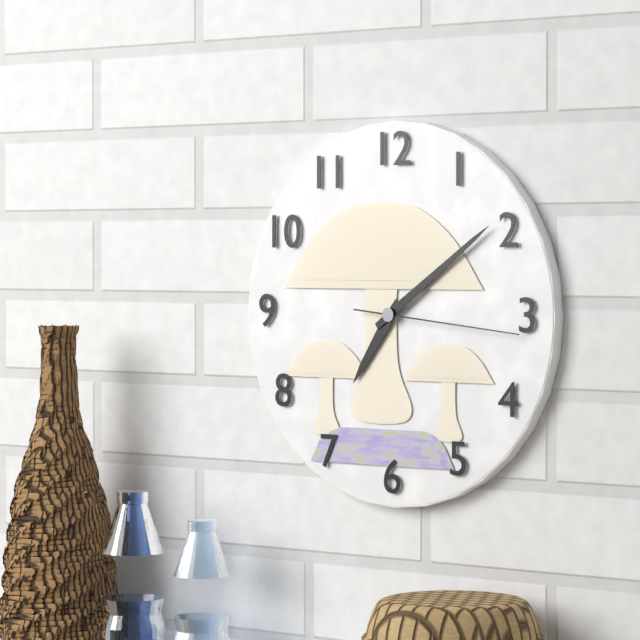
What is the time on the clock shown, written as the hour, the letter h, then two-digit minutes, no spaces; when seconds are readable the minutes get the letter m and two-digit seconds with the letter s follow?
7h09m16s
